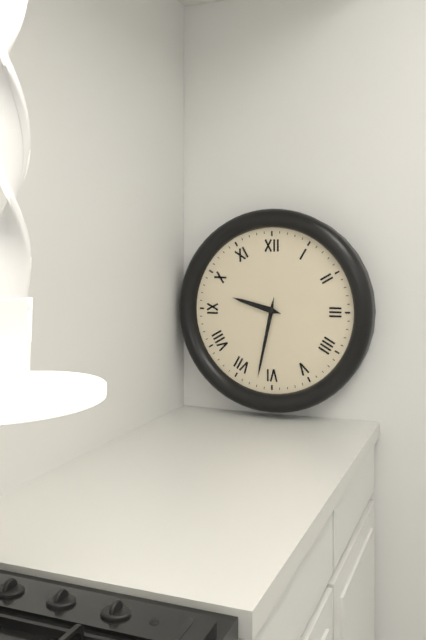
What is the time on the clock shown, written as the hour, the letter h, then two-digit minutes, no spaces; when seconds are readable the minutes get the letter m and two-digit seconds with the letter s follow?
9h32
